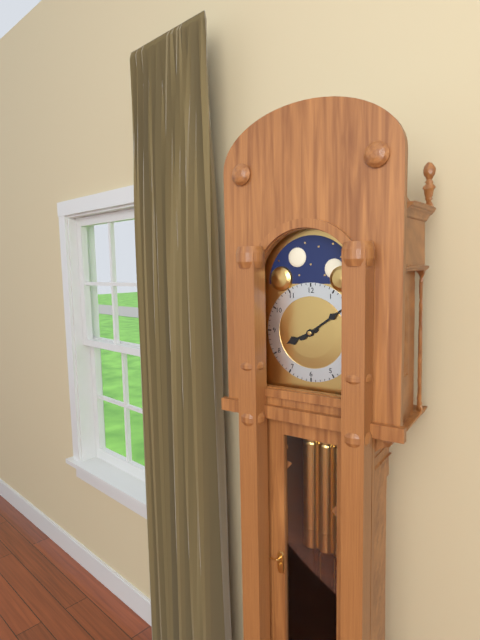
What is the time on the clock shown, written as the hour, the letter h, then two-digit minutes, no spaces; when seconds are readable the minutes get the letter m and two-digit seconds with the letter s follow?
8h09
